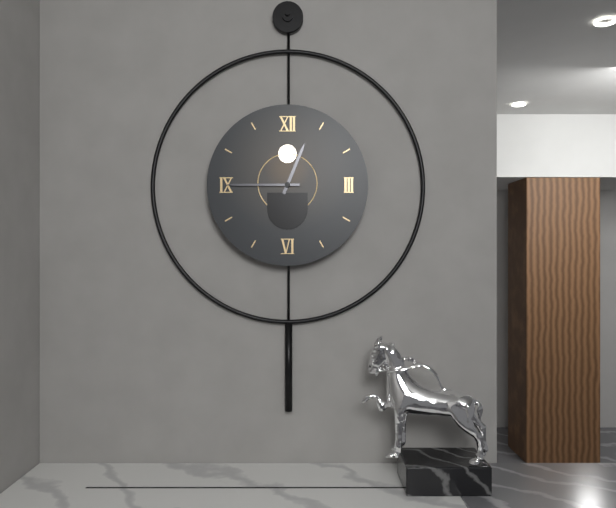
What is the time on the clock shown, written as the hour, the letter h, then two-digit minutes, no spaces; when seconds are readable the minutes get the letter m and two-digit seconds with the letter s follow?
12h45
